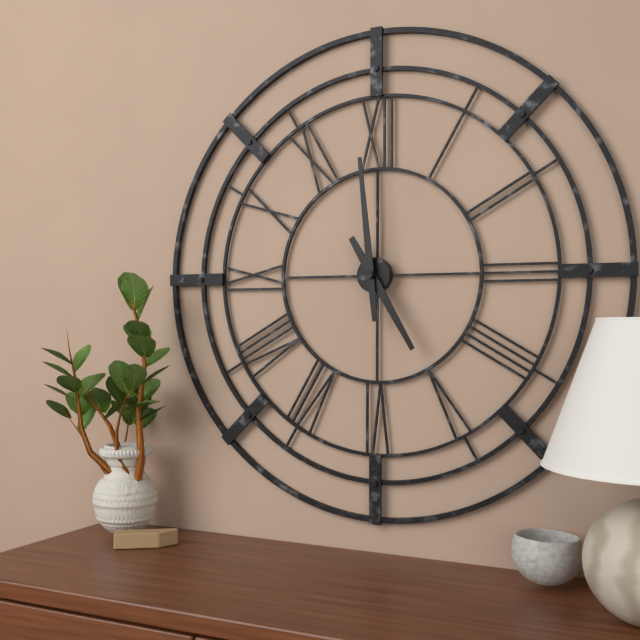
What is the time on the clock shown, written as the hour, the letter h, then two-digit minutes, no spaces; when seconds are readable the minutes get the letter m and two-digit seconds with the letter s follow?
4h59
